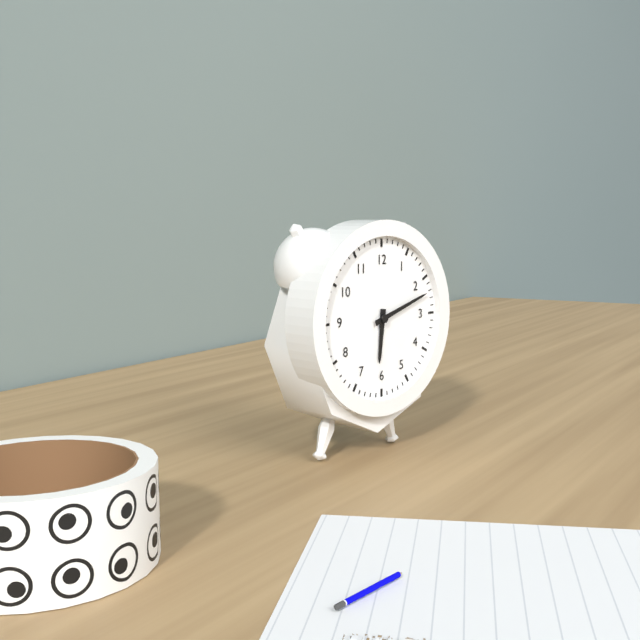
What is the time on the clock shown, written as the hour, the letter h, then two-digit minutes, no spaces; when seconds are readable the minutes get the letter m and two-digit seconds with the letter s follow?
6h12
